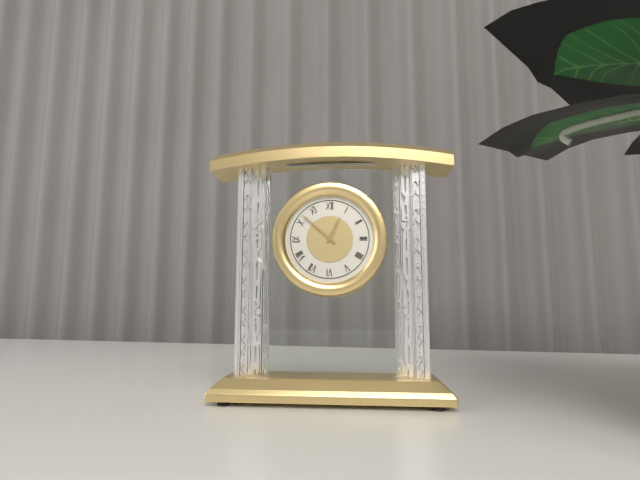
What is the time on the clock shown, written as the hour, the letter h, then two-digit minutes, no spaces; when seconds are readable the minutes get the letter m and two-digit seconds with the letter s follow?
12h52
